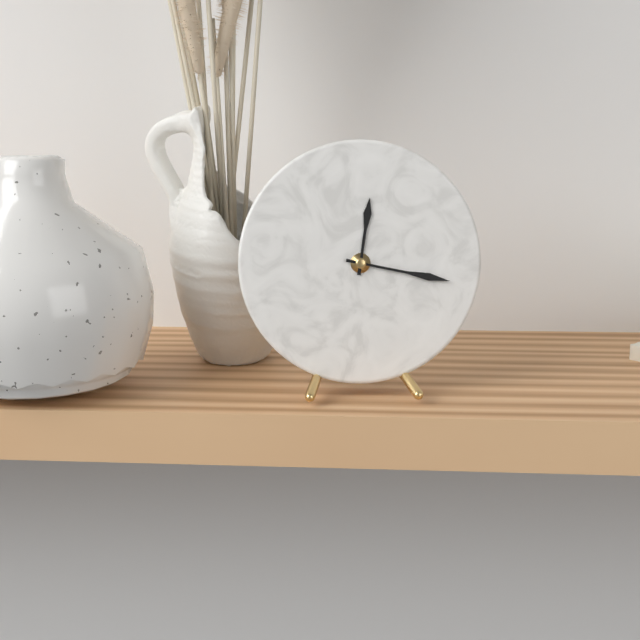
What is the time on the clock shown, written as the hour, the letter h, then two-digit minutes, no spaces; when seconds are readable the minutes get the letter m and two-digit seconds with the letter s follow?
12h17
